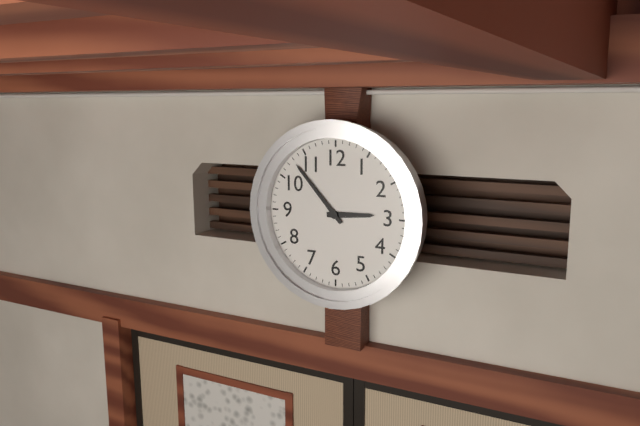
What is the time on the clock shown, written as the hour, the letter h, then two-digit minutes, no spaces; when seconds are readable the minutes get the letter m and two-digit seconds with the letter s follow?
2h53
